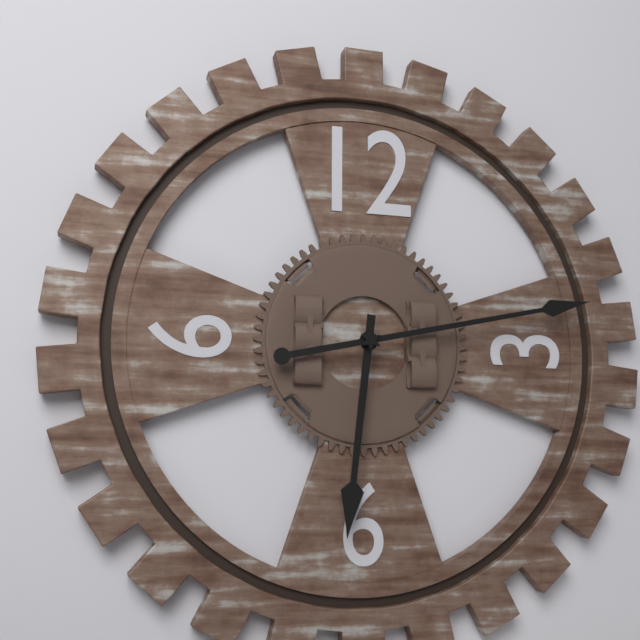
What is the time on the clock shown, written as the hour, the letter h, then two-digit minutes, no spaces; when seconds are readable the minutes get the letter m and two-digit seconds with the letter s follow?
6h13
